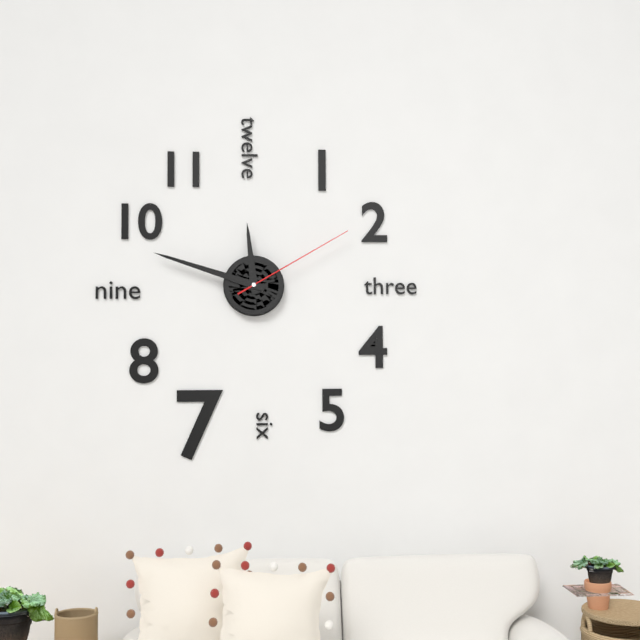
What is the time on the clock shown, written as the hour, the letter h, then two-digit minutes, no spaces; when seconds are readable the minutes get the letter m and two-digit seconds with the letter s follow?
11h48m10s
